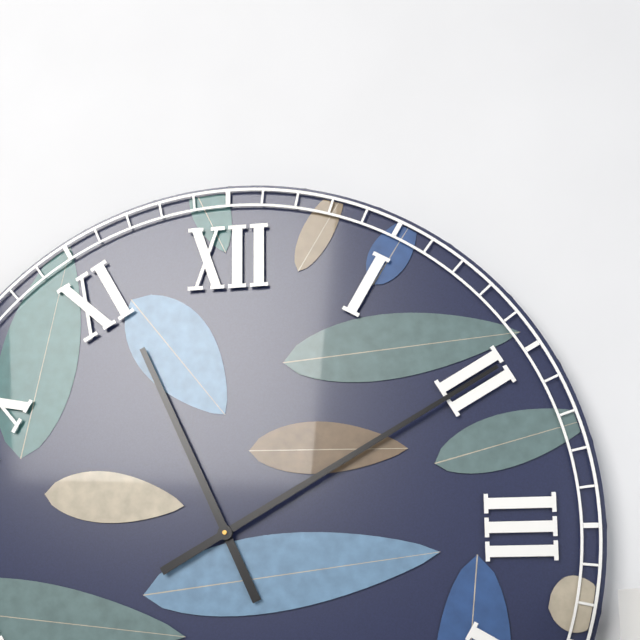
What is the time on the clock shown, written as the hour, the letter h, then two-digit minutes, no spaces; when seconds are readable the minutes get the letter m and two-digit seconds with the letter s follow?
11h10
